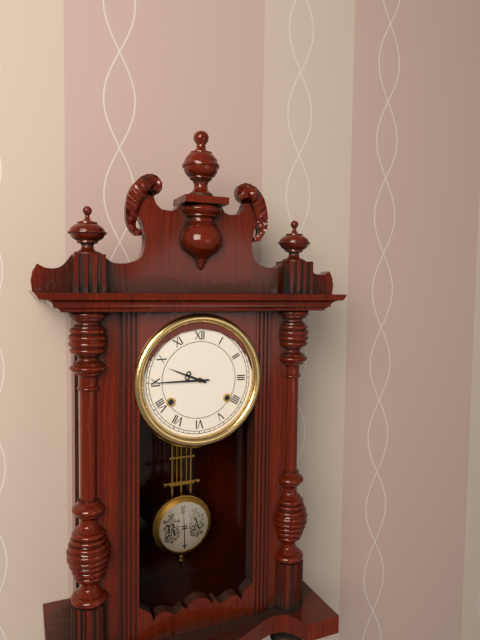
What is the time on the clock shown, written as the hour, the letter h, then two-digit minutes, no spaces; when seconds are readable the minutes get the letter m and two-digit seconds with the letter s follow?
9h45
